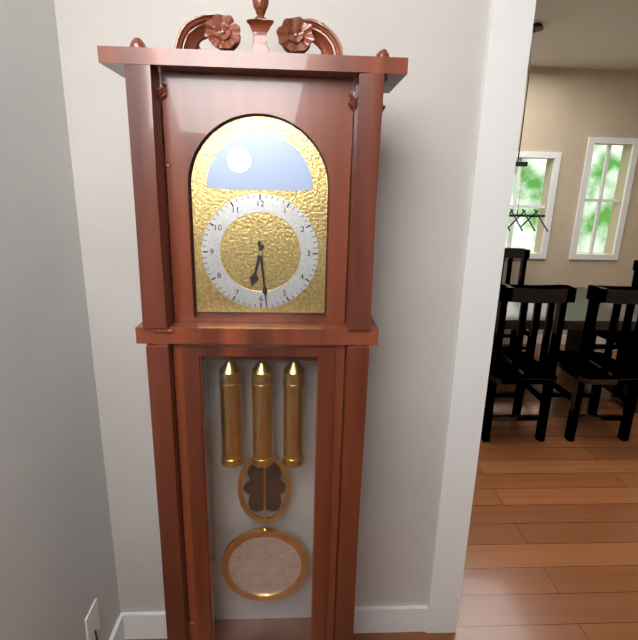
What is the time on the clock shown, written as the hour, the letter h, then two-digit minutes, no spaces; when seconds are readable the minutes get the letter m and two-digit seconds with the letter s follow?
6h29
